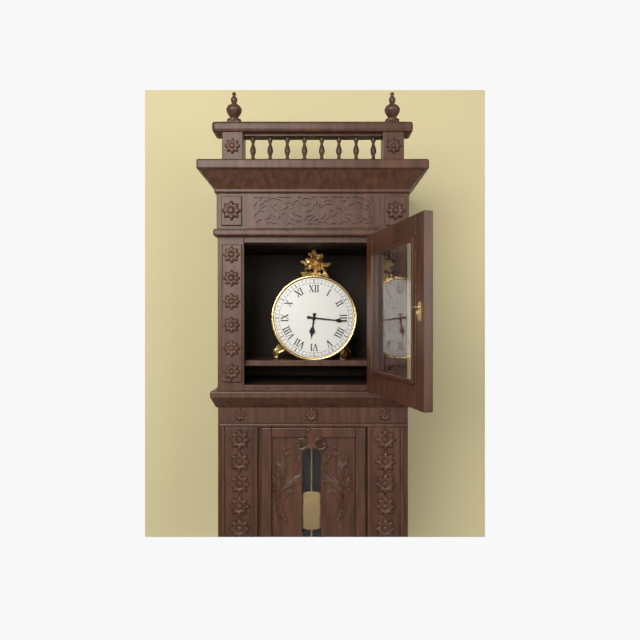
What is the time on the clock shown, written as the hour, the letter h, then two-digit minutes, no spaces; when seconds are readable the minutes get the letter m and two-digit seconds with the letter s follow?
6h16
